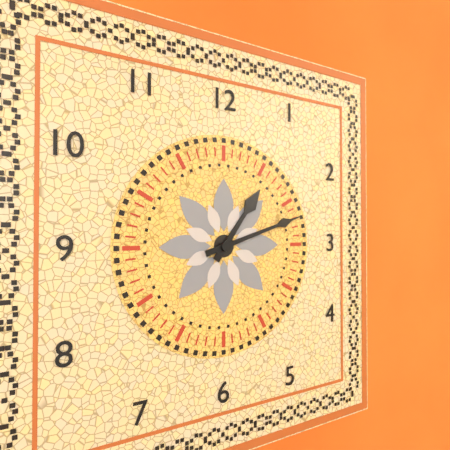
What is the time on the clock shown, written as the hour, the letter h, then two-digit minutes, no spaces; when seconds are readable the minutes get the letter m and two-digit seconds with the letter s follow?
1h12
